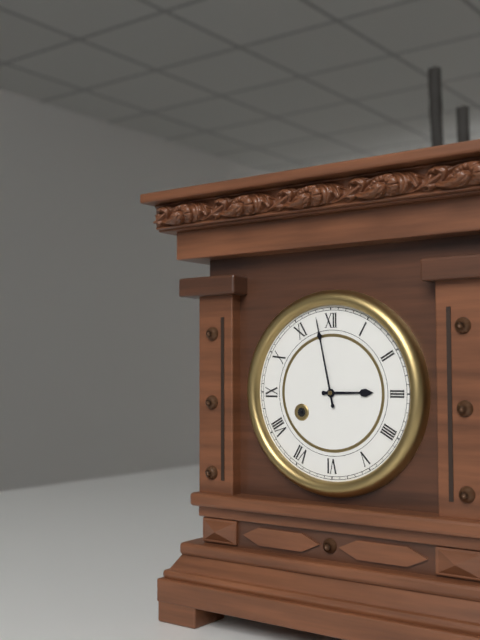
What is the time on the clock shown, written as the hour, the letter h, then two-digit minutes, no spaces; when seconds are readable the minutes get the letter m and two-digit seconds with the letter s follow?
2h58
